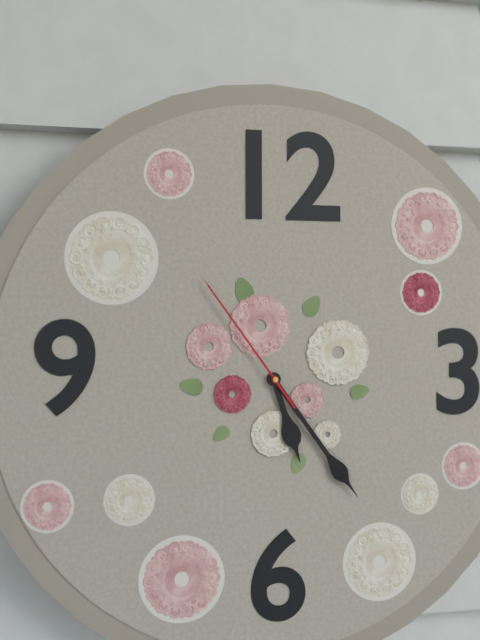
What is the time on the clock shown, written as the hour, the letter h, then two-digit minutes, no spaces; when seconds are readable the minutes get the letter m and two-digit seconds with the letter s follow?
5h24m54s
